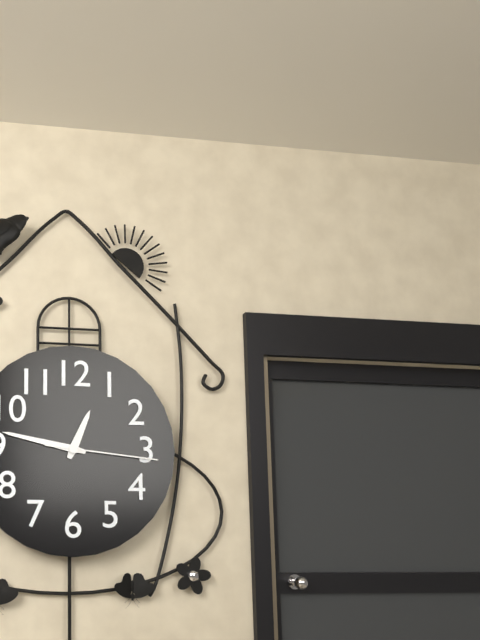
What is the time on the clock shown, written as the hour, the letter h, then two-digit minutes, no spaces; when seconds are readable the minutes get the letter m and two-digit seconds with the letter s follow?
12h47m16s
